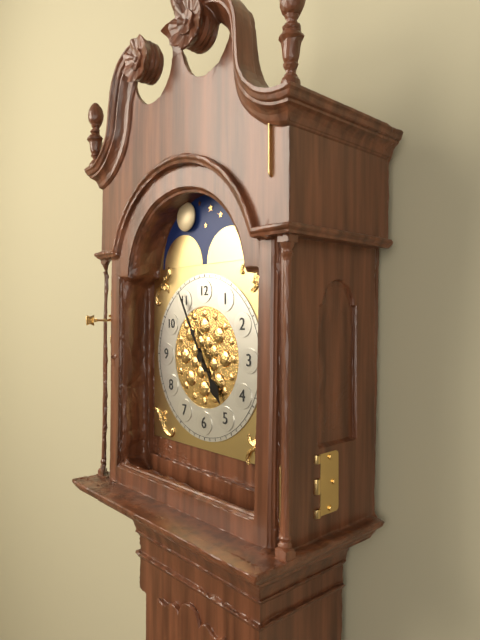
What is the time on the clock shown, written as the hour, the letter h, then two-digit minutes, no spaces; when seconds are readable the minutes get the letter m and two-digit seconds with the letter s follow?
4h55
